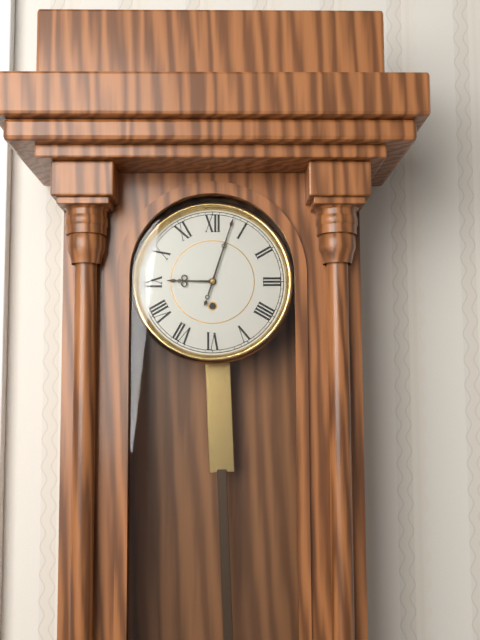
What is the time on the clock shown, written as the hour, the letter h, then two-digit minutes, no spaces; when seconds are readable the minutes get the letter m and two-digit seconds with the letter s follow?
9h03
